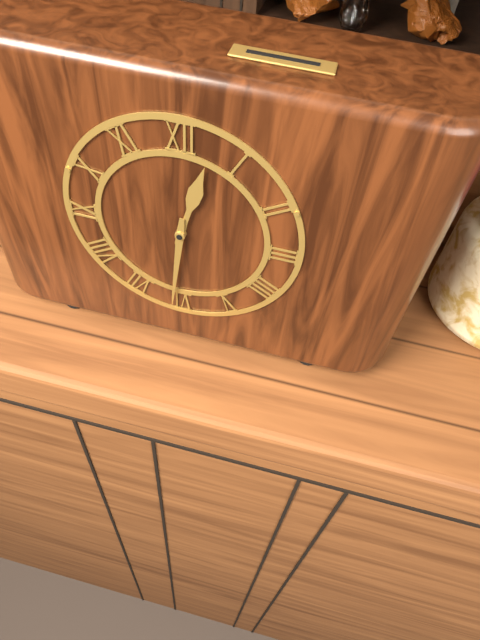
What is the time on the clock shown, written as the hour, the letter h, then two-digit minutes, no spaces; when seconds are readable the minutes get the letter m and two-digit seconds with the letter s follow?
12h31
